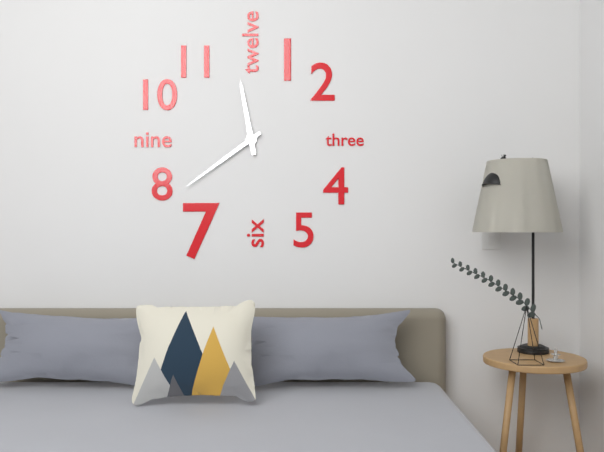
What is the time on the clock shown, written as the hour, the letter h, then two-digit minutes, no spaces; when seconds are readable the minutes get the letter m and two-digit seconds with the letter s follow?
11h39
